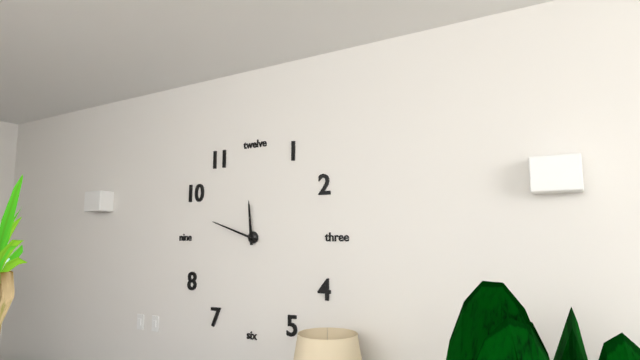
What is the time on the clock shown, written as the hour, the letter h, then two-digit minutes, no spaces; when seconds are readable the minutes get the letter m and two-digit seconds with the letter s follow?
11h48
